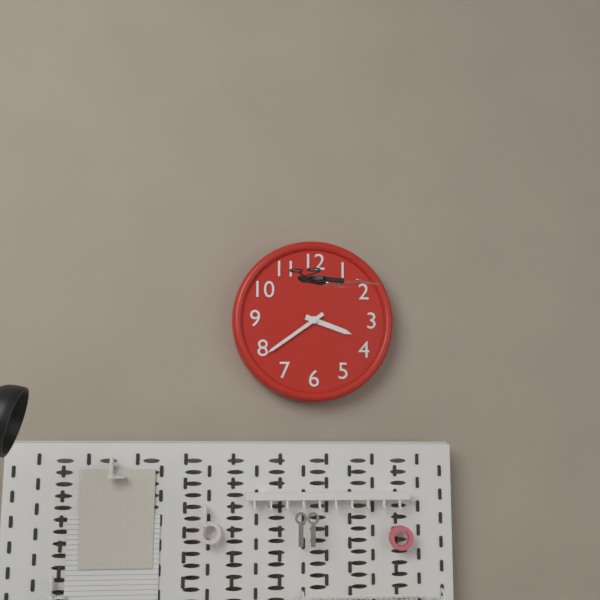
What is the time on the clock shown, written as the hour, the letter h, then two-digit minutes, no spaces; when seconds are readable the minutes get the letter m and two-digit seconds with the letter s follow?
3h39
